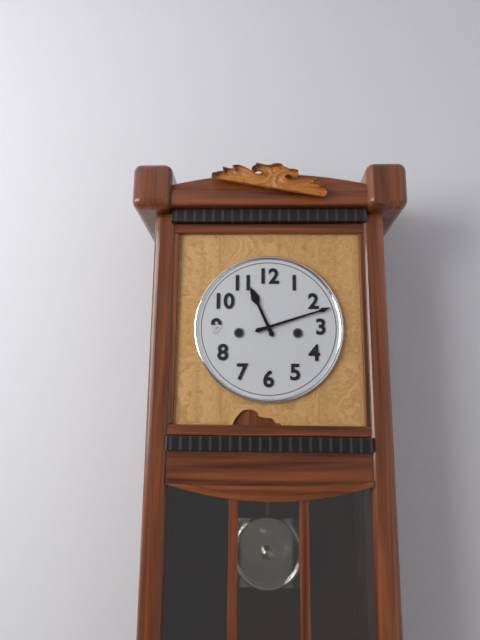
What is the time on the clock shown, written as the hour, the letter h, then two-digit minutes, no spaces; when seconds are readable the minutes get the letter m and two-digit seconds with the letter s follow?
11h12
